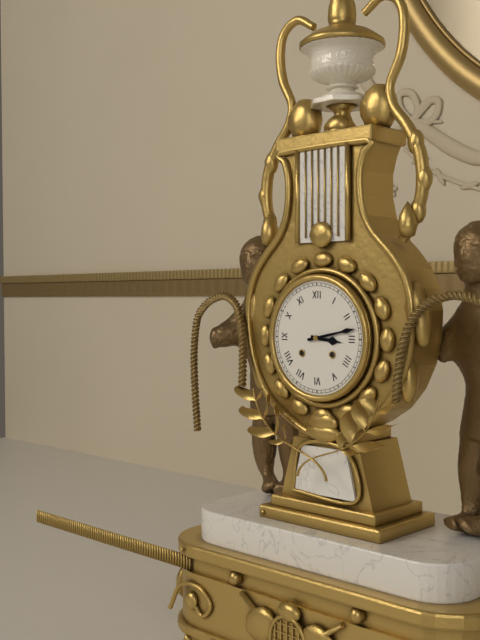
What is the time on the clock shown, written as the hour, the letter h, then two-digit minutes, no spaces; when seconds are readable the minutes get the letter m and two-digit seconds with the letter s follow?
3h13
